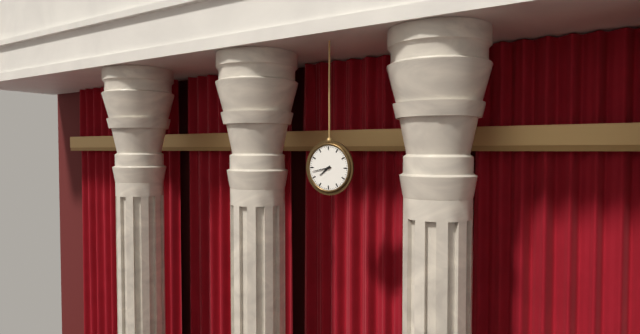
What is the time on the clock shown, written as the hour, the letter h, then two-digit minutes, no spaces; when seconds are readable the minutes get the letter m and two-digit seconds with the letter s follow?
7h43
